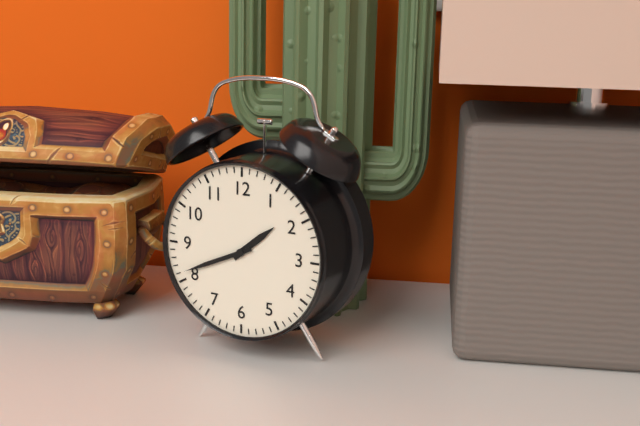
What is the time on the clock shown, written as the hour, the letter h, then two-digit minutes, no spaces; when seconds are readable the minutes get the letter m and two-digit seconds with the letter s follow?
1h41
